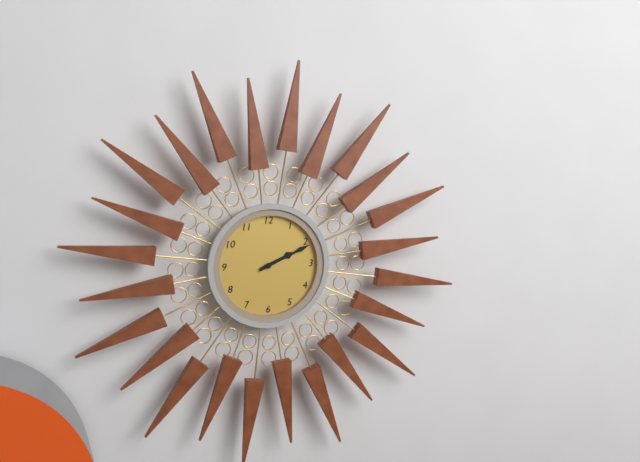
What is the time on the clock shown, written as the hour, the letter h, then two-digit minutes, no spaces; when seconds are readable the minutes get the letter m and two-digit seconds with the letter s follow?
2h11
